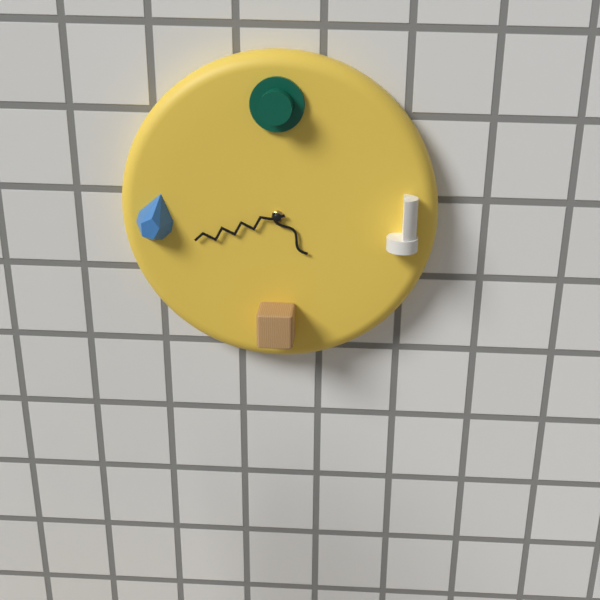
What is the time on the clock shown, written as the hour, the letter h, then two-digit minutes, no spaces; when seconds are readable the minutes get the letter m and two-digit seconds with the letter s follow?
4h42
